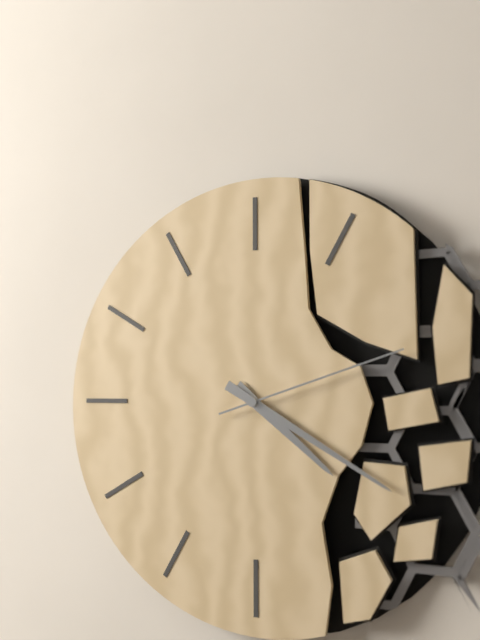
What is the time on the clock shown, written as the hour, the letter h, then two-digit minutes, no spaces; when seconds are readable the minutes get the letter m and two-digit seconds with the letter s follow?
4h20m12s
